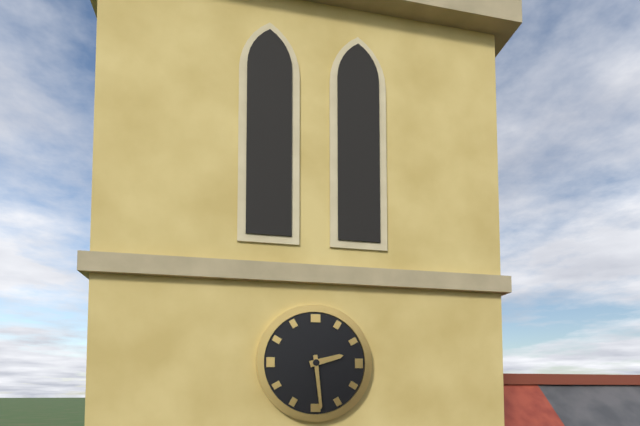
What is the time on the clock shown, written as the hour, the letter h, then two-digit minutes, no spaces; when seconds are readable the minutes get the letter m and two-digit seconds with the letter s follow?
2h29
